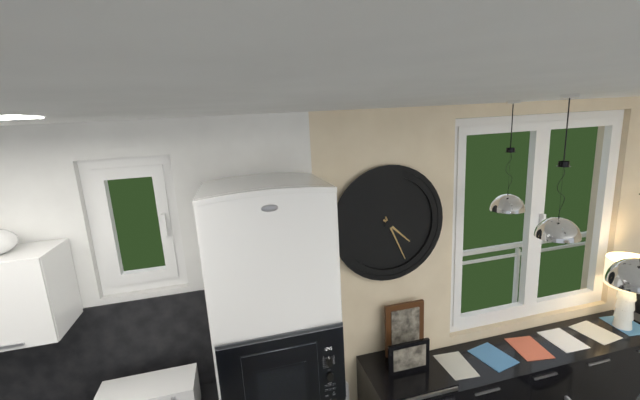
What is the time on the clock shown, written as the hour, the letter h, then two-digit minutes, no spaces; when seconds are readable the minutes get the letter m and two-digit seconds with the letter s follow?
4h26
